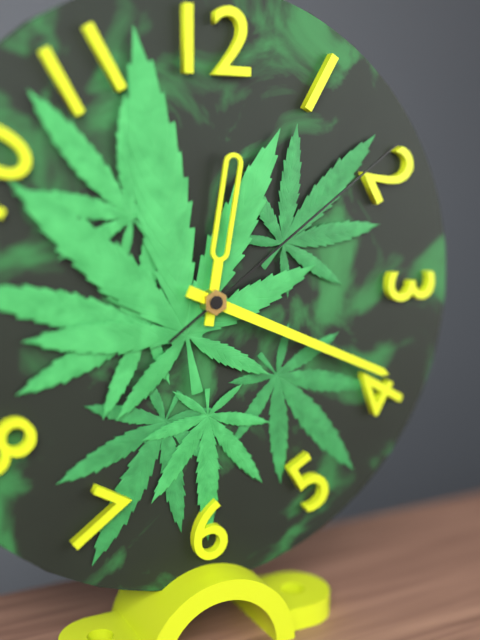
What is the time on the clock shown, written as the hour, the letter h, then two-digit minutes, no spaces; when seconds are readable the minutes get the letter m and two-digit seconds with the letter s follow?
12h19m09s
